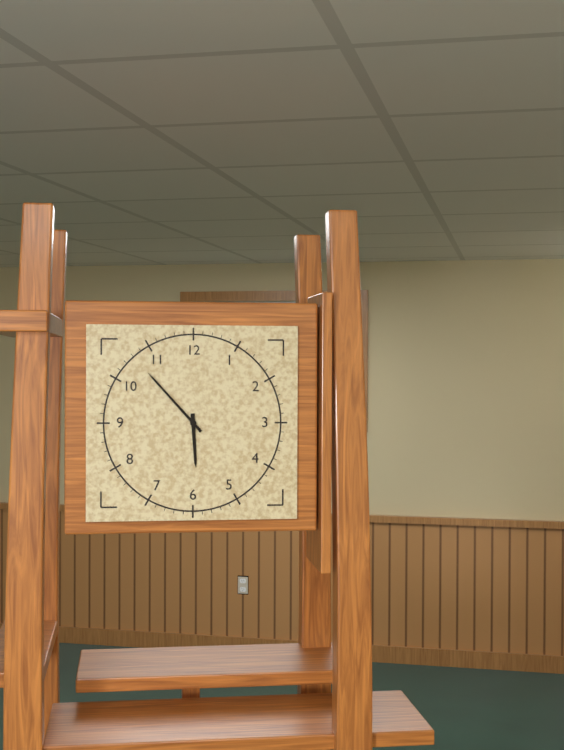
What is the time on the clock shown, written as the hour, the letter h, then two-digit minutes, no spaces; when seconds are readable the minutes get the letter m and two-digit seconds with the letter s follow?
5h53
